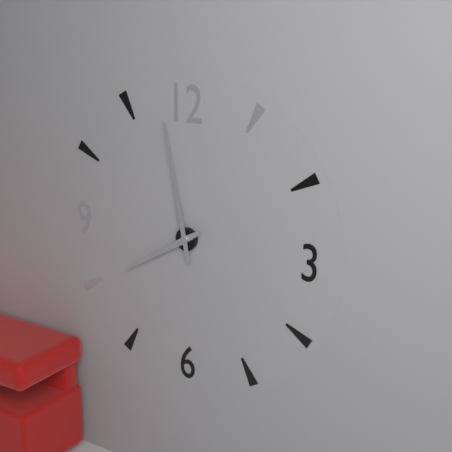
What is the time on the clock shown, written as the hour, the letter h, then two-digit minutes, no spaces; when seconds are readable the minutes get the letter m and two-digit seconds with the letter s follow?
7h58
